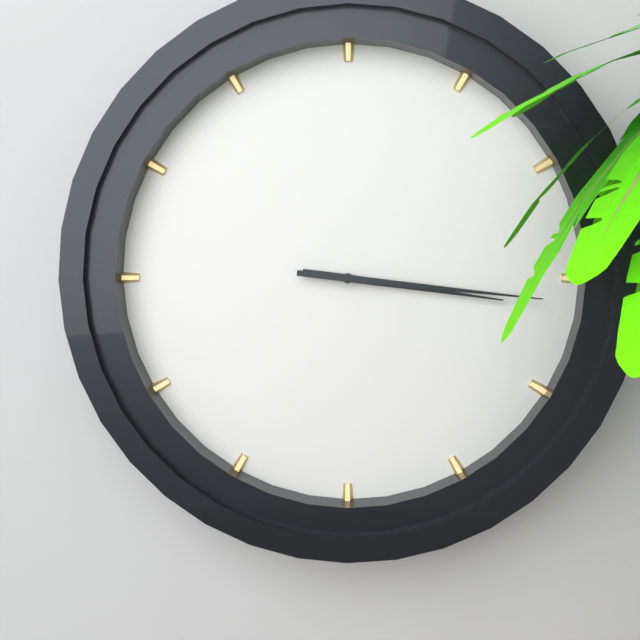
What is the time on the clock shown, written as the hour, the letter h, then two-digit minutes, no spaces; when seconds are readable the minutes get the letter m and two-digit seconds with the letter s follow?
3h16
